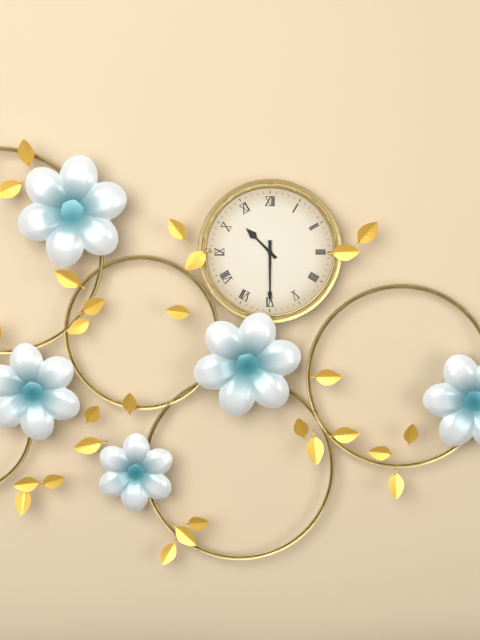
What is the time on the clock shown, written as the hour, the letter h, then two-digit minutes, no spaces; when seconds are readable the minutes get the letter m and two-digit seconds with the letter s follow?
10h30
